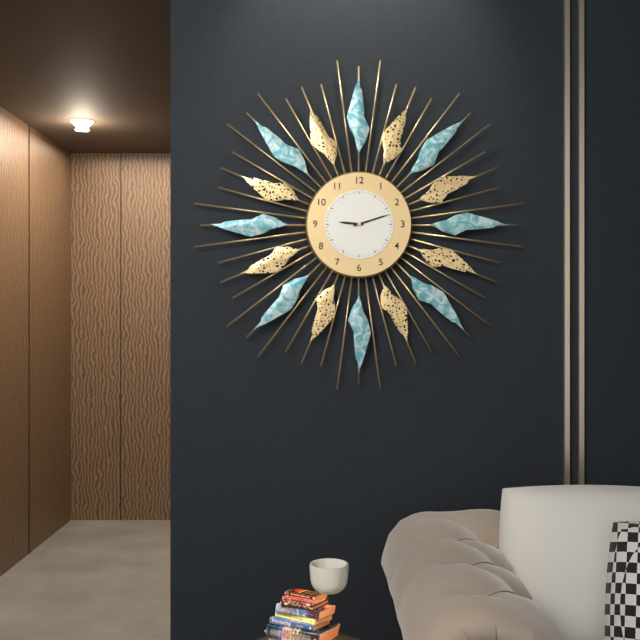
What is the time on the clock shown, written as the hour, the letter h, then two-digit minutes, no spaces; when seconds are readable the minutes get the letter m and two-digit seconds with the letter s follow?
9h12
